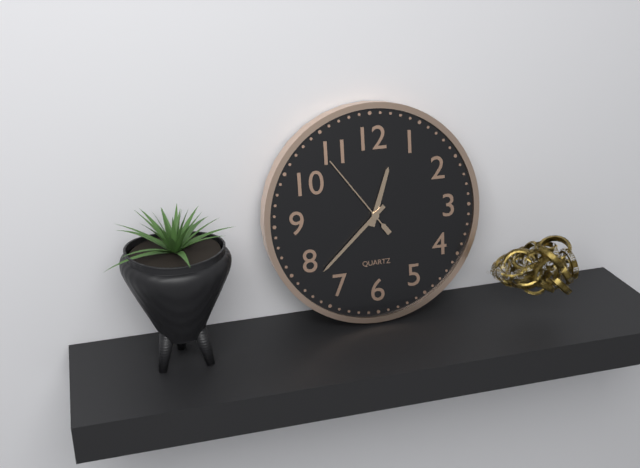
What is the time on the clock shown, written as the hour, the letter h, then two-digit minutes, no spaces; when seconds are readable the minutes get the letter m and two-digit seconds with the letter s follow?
12h38m54s
